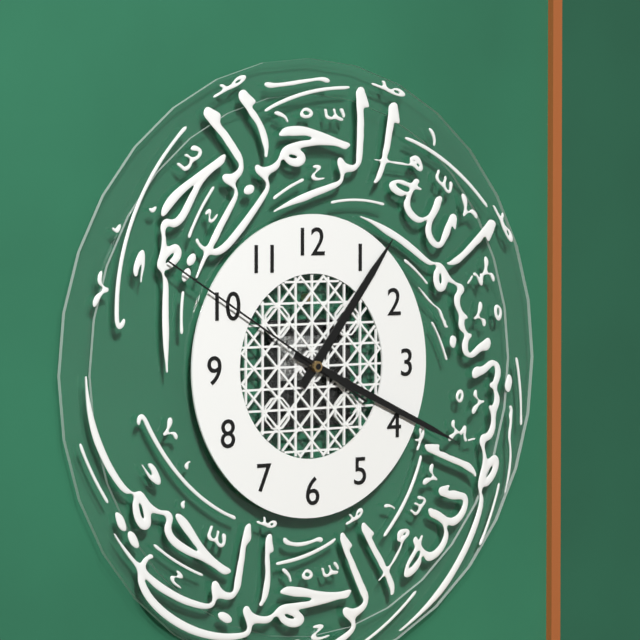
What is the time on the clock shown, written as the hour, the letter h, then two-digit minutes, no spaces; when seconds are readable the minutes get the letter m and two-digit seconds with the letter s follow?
1h19m50s
